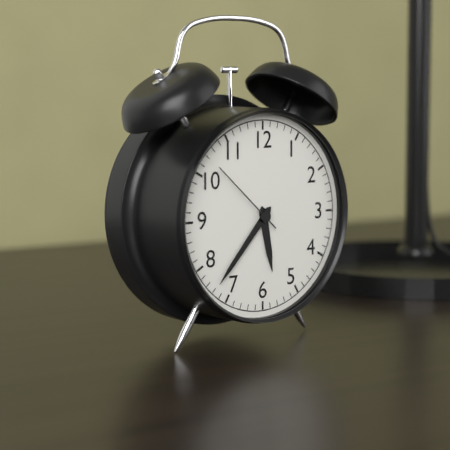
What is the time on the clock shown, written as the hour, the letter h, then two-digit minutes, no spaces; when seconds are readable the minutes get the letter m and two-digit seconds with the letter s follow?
5h37m52s
